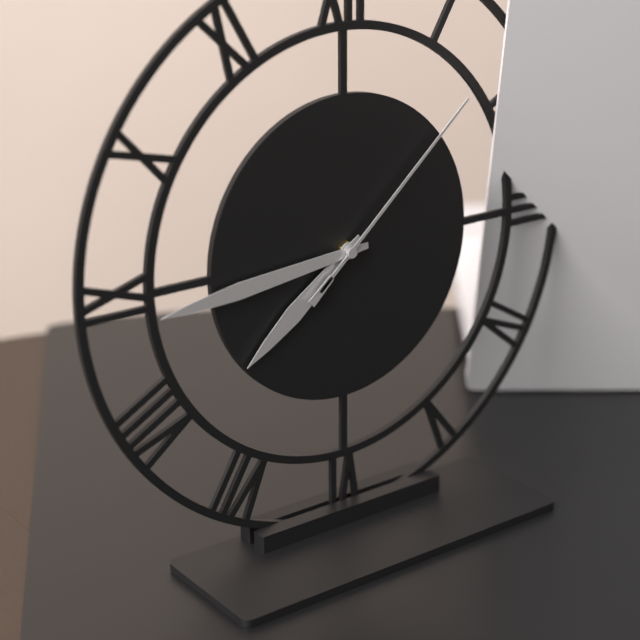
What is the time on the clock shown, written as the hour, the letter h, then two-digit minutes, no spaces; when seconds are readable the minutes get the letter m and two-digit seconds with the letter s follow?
7h44m08s
